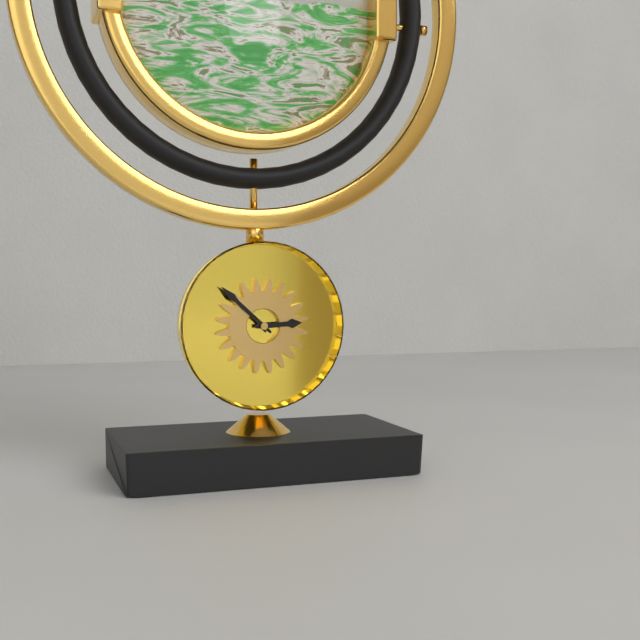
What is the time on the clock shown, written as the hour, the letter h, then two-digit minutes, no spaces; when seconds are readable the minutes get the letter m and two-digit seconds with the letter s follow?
2h52
